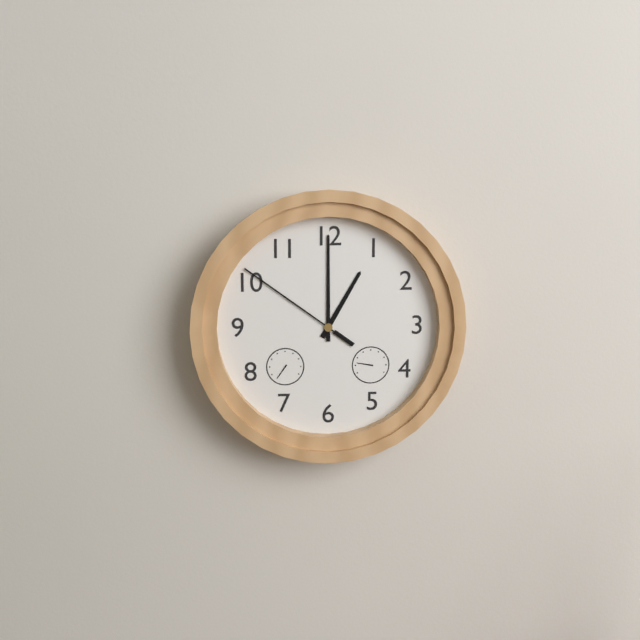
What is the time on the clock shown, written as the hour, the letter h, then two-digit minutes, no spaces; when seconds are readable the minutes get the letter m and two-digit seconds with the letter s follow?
1h00m51s
